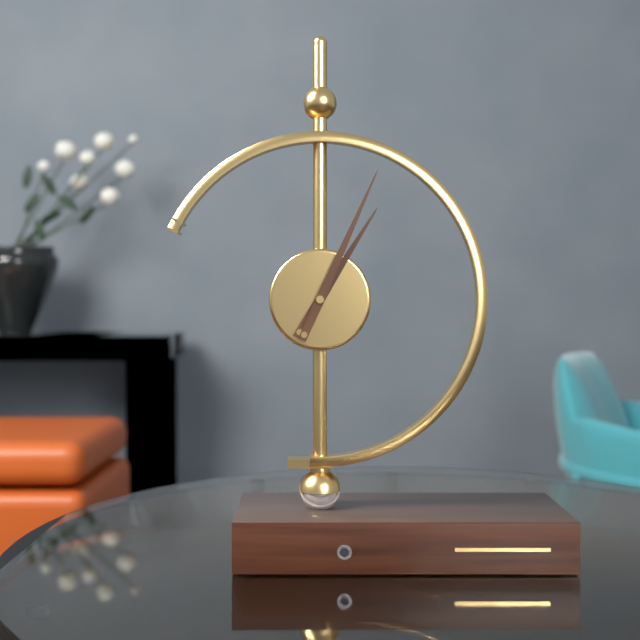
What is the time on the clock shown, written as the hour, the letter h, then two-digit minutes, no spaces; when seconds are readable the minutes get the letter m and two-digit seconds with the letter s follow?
1h04
